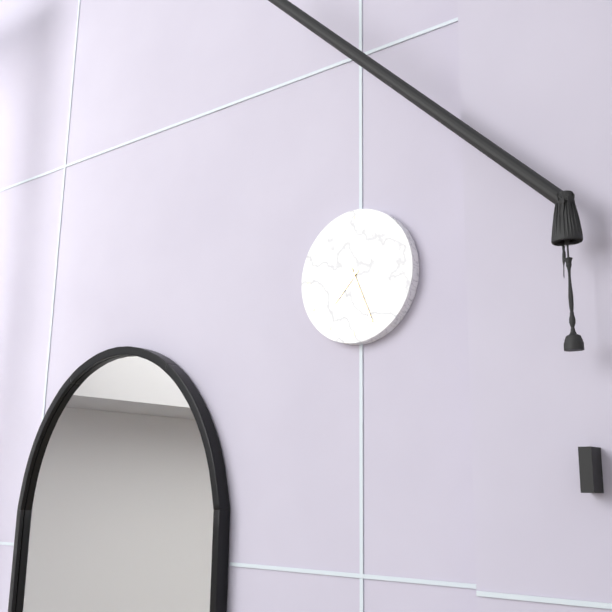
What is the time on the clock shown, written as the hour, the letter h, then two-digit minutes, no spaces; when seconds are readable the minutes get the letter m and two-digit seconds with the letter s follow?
7h26
